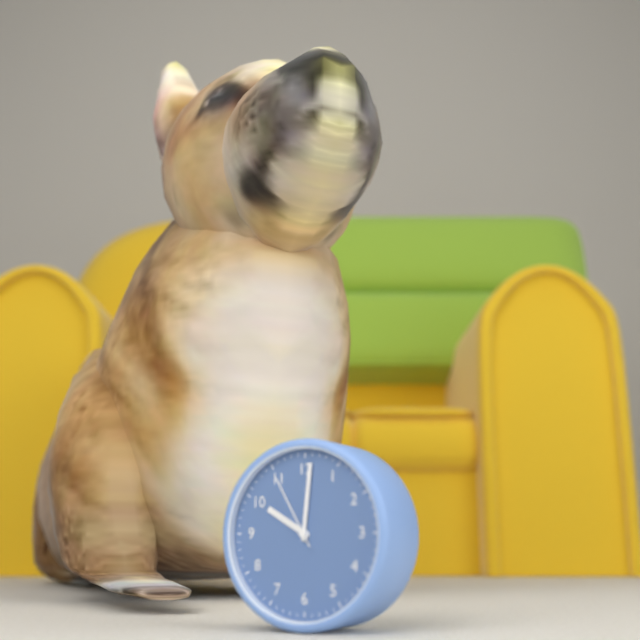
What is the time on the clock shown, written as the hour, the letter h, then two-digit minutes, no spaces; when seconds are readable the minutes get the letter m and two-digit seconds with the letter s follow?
10h01m55s
